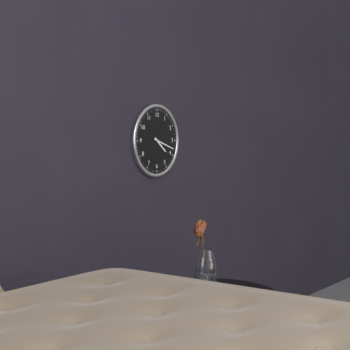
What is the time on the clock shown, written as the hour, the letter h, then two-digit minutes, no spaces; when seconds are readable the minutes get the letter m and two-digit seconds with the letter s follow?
4h18
